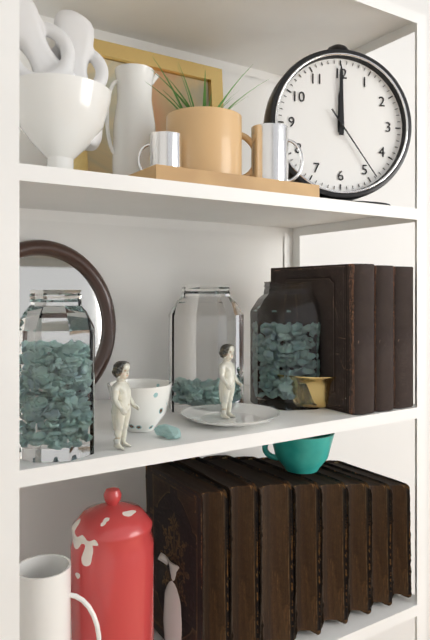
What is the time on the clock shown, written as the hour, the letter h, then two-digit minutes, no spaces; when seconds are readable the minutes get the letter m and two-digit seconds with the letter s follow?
12h00m24s
